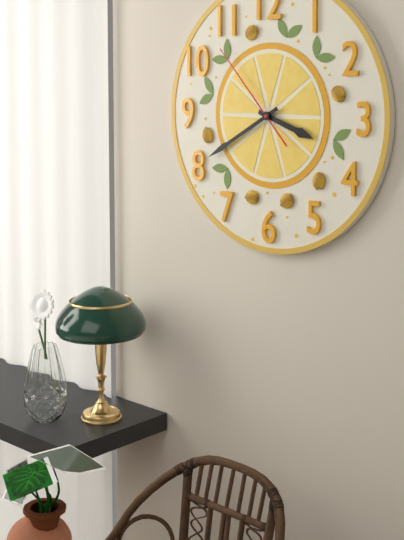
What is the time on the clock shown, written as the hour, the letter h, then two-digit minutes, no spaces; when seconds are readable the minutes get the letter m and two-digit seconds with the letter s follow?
3h40m53s
